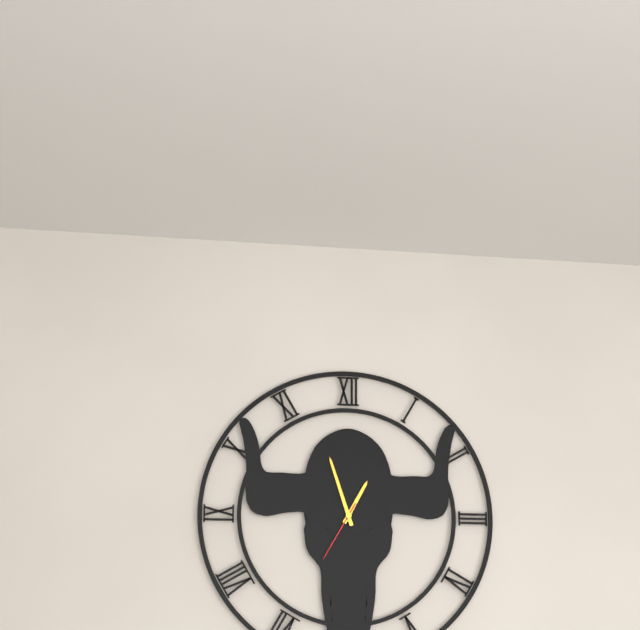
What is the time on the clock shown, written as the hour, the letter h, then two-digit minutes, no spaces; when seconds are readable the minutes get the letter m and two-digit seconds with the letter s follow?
12h57m35s
